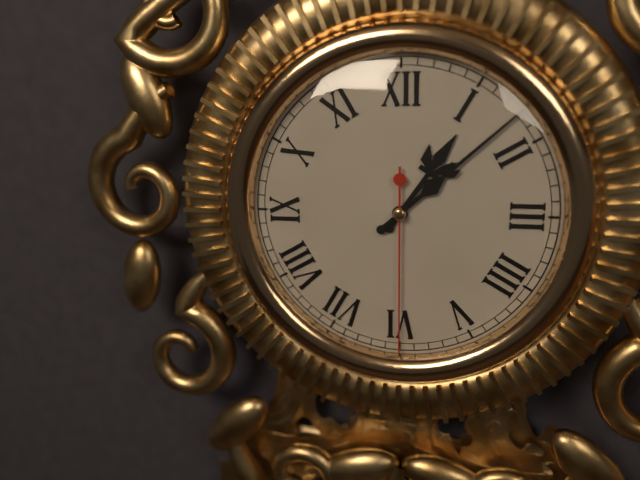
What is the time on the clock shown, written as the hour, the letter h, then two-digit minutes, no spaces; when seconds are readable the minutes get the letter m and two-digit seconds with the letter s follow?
1h08m30s
